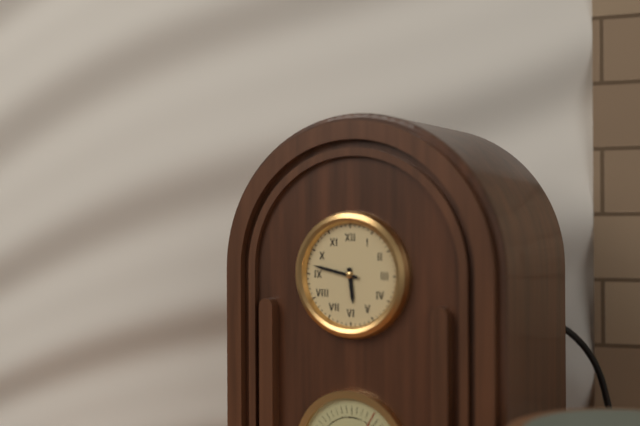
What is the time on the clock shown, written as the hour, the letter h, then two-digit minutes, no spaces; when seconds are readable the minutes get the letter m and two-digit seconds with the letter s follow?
5h47
